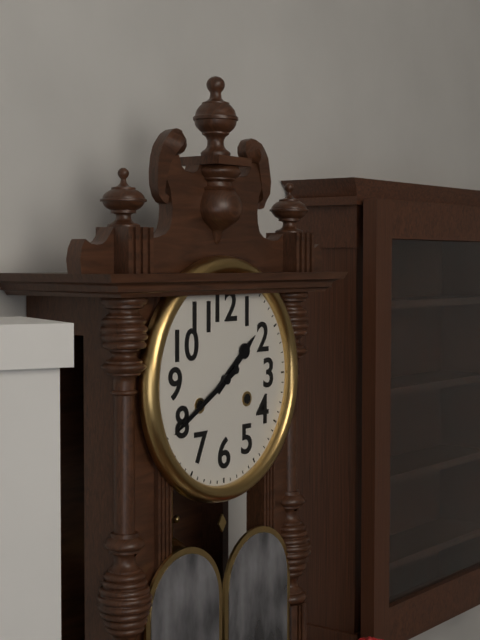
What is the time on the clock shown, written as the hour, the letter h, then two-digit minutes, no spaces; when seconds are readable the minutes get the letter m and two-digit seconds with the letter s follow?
1h40
